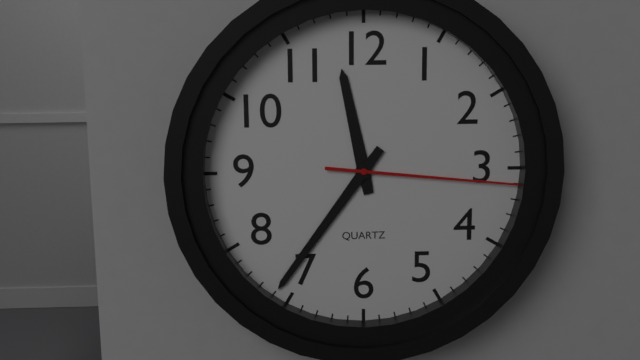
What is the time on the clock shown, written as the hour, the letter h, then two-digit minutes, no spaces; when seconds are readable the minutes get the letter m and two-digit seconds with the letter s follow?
11h36m16s
